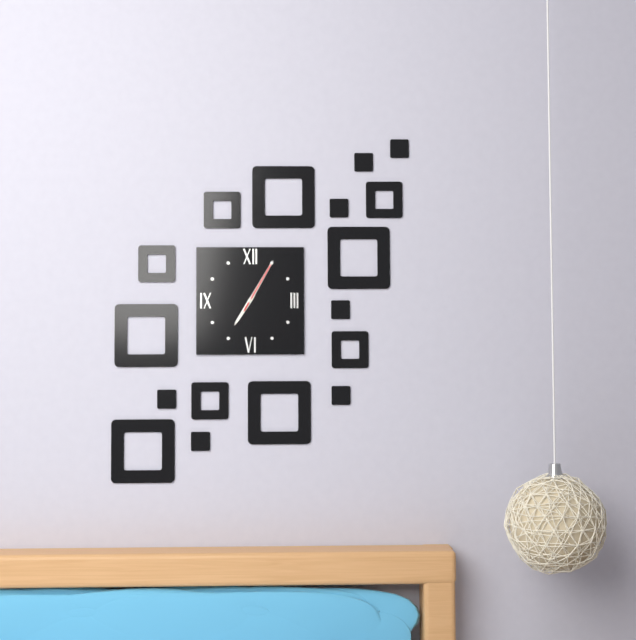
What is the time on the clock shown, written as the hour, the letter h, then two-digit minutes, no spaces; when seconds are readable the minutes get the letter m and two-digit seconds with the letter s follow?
7h05m05s
